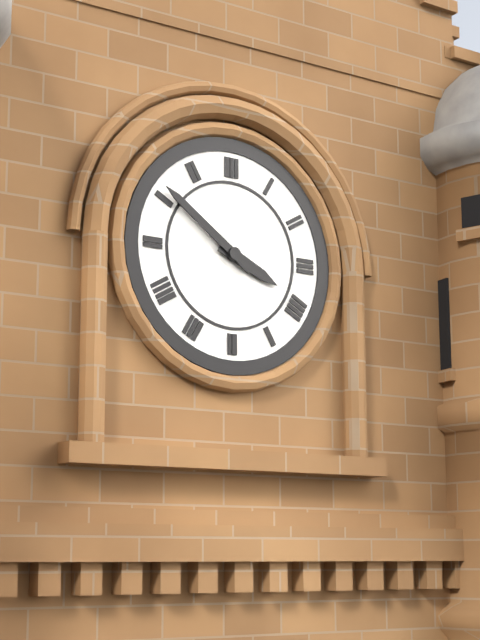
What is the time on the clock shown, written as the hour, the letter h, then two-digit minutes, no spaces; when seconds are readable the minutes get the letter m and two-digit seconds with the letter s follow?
3h51
